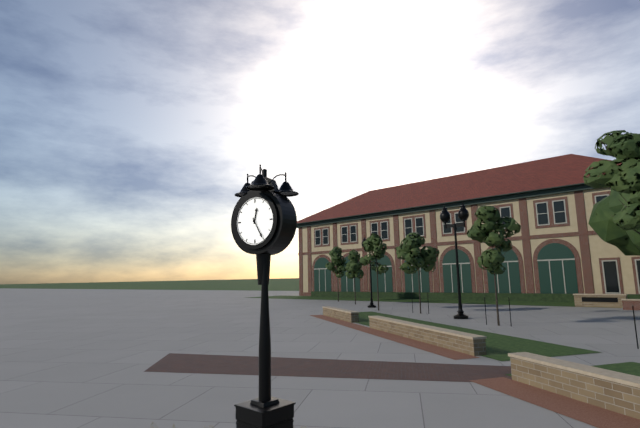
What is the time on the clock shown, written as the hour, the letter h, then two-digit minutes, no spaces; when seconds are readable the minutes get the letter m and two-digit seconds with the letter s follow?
12h25
